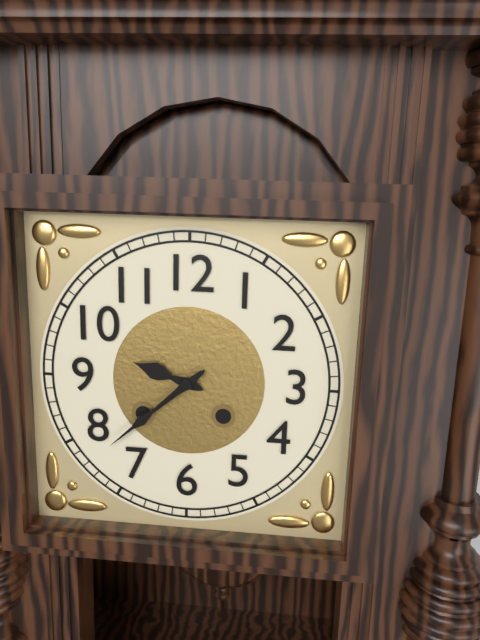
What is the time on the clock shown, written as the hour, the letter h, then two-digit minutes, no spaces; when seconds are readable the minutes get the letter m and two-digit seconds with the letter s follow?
9h38
